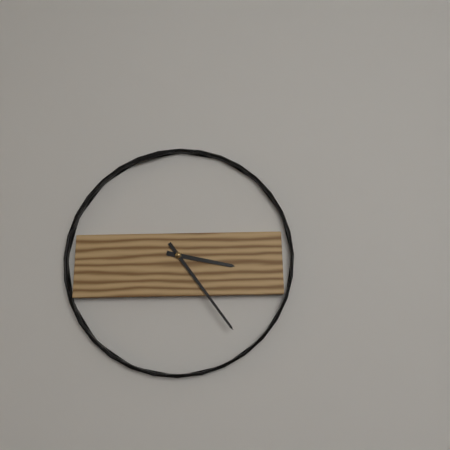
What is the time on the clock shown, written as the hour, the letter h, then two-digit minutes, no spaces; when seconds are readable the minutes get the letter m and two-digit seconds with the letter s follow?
3h24
